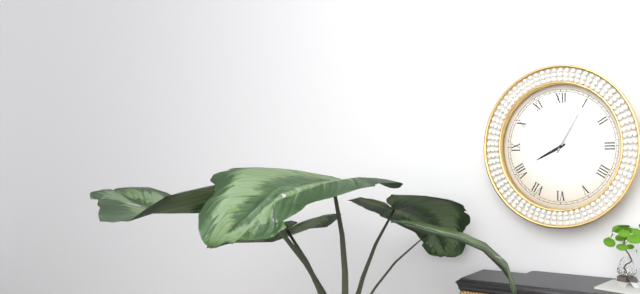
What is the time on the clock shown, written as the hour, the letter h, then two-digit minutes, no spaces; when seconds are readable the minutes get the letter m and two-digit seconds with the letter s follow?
8h05
